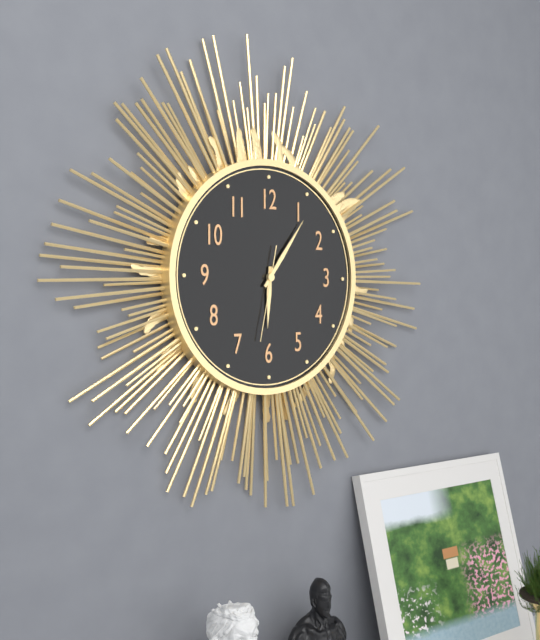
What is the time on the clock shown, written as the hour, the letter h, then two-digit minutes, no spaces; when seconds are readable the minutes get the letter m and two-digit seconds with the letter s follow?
6h06m32s
